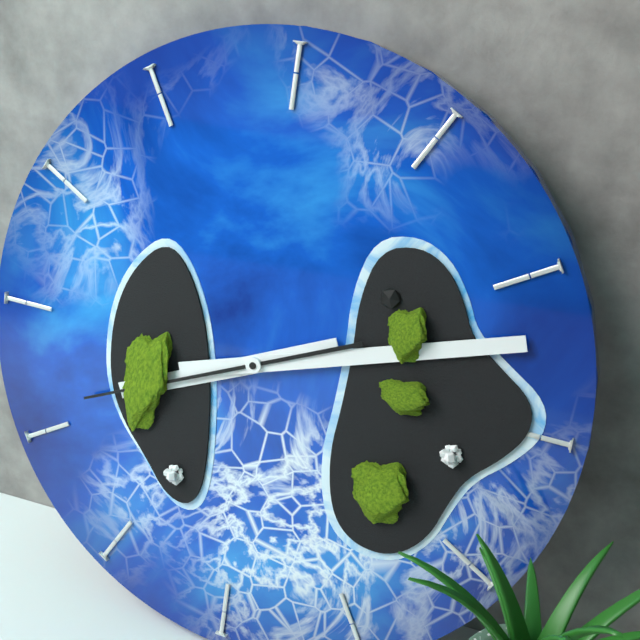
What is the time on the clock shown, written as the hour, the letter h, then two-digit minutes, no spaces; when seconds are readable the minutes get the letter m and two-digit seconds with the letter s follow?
8h12m41s
